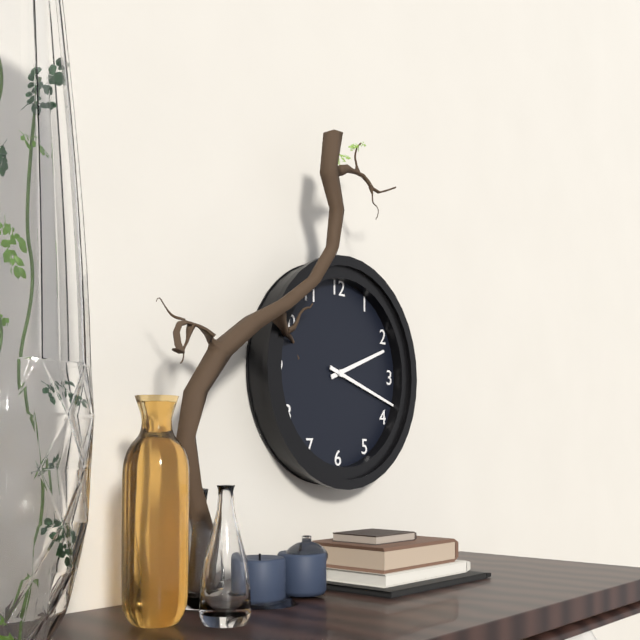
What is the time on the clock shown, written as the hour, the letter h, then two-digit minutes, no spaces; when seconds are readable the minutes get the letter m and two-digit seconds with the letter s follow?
2h18
